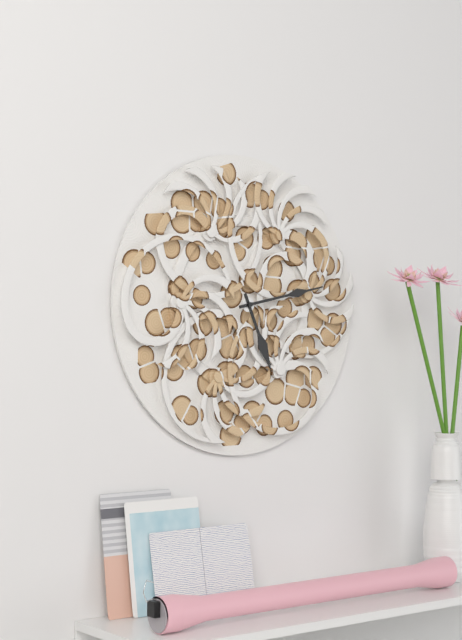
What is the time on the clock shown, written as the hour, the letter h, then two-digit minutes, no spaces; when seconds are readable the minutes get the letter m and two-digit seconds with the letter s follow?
5h13
